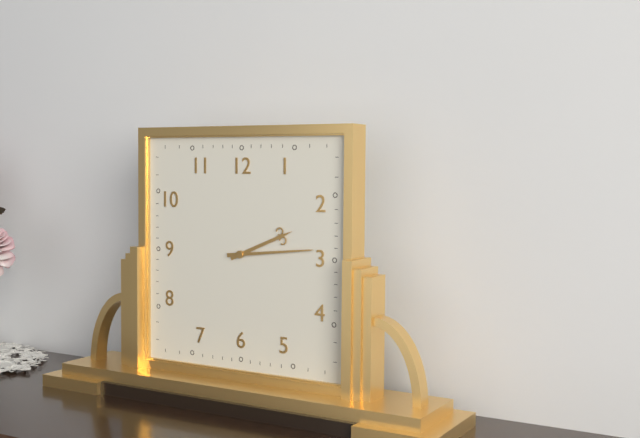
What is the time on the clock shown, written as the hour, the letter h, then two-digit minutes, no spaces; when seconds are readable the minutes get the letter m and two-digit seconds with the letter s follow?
2h14
